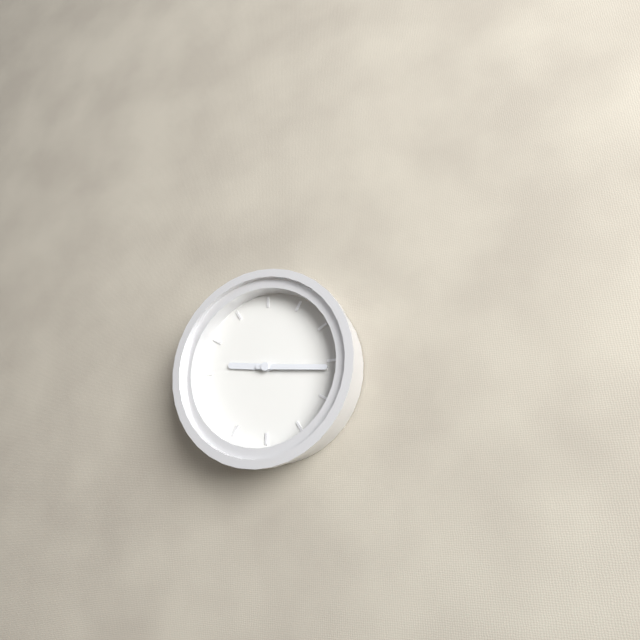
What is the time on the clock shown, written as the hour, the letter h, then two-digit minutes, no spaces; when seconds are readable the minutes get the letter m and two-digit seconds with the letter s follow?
9h16
